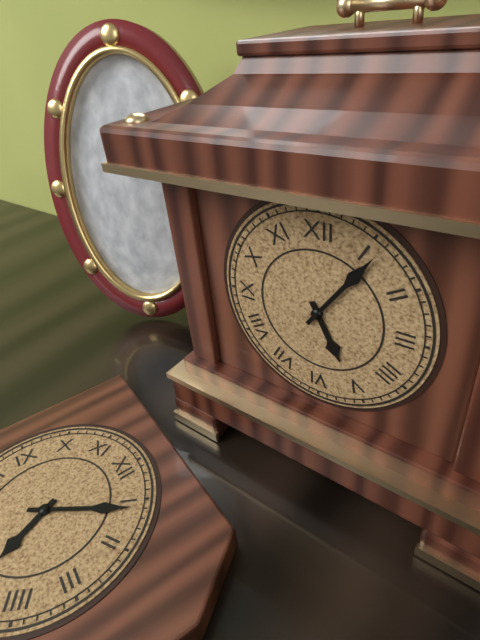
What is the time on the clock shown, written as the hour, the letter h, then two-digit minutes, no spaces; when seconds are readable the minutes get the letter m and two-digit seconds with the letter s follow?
5h06
